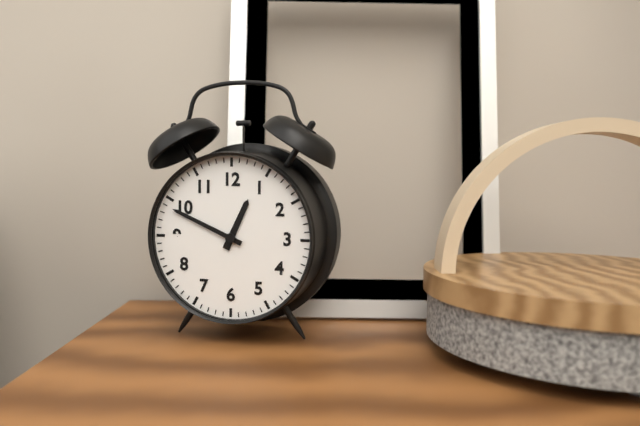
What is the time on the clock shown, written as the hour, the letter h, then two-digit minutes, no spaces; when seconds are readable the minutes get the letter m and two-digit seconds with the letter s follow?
12h49
